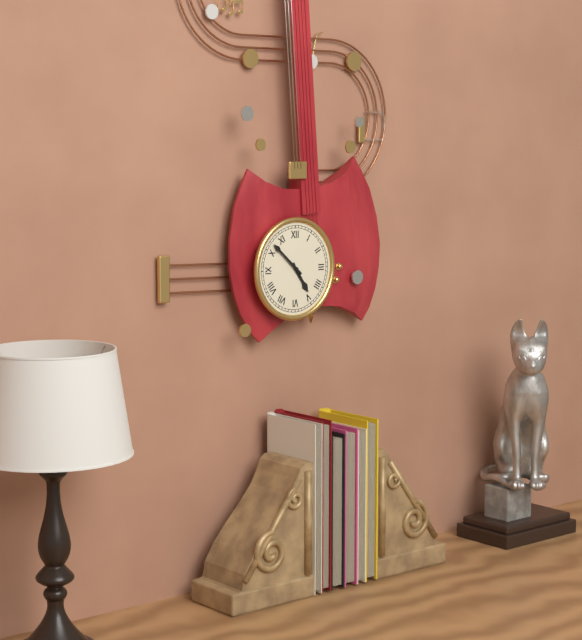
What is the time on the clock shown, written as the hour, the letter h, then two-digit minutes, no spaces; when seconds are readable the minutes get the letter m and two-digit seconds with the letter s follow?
4h52
